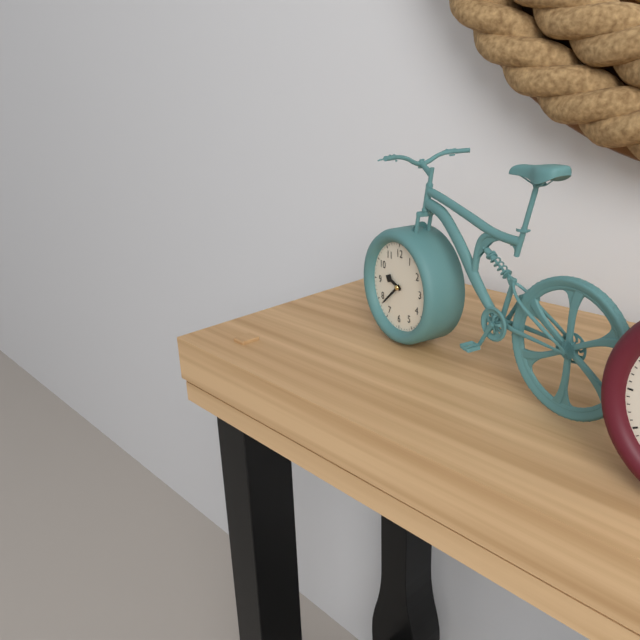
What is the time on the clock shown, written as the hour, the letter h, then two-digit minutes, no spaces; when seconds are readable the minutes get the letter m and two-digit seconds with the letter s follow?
9h38
